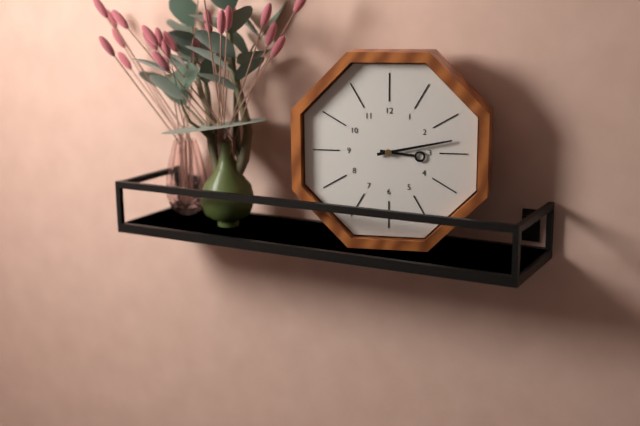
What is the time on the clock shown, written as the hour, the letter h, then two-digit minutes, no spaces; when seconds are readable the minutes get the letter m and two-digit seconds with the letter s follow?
3h13
